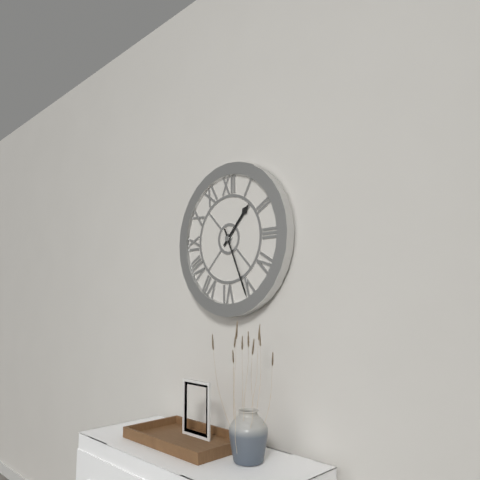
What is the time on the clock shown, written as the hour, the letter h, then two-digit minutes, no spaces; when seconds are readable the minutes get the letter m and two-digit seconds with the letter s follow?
1h26
